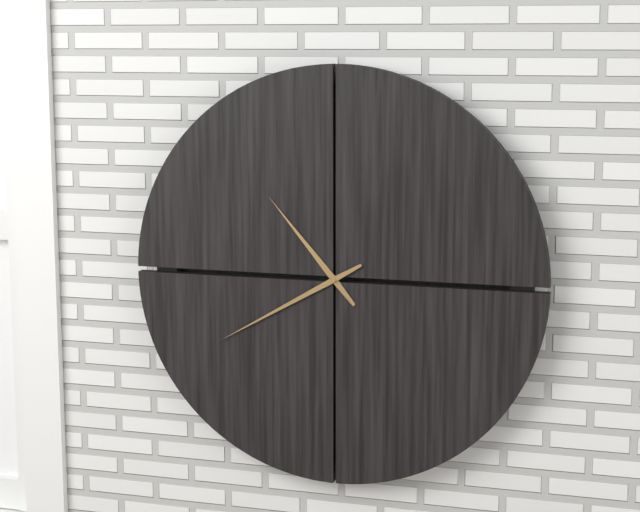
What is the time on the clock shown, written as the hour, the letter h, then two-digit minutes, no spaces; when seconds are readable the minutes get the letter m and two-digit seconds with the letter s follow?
10h40
